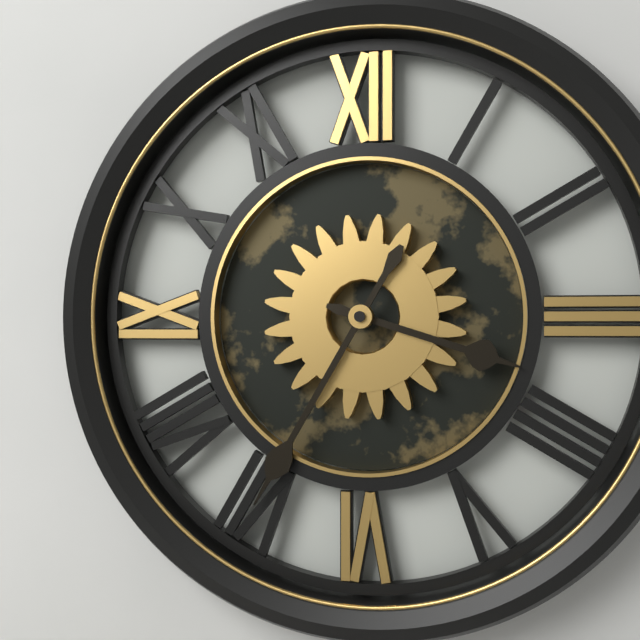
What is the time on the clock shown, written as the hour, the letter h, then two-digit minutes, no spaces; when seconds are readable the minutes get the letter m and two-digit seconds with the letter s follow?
3h35
